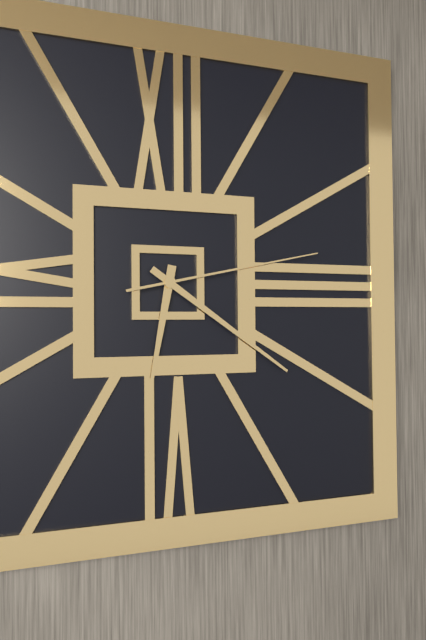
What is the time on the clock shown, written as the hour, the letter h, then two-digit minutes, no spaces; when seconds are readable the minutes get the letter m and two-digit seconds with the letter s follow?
6h21m13s
